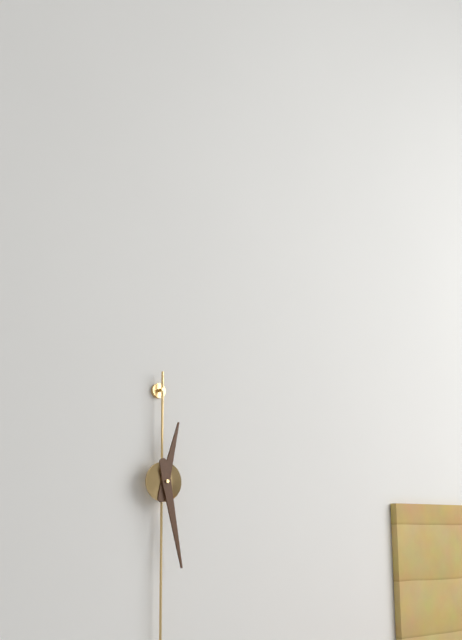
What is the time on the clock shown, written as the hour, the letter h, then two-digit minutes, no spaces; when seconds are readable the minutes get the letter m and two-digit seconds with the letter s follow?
12h28
